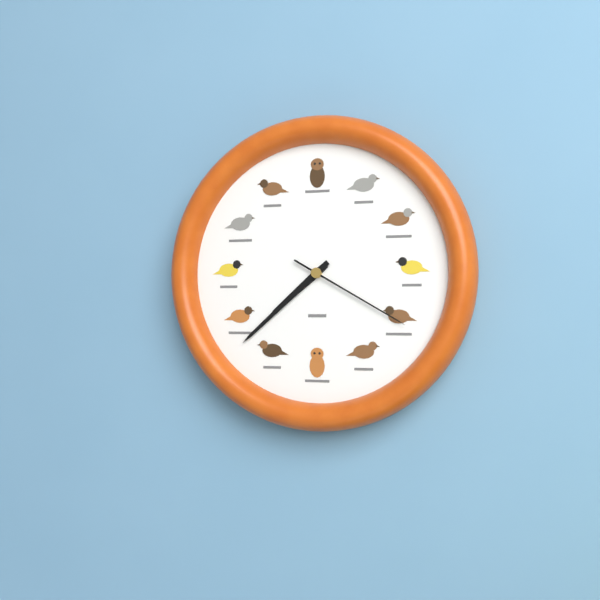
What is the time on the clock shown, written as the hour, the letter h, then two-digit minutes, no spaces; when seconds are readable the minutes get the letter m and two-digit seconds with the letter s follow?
7h38m20s
